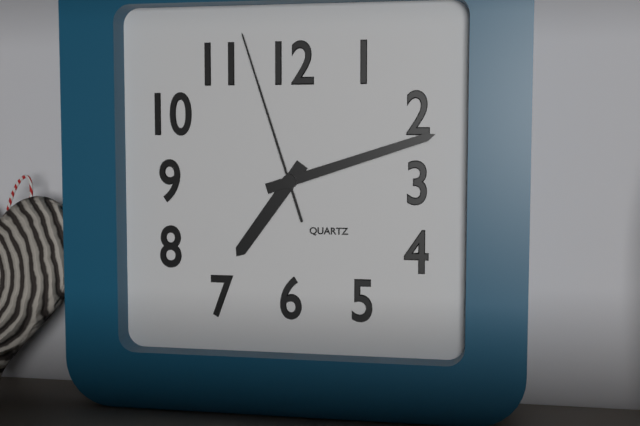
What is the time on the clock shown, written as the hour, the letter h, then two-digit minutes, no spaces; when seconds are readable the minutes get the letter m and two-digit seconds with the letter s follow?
7h12m57s
